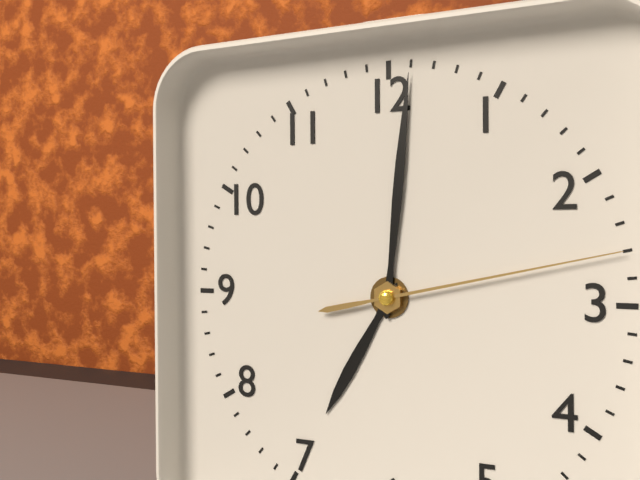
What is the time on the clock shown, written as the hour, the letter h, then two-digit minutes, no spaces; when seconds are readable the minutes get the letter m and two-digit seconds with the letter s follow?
7h01m13s
